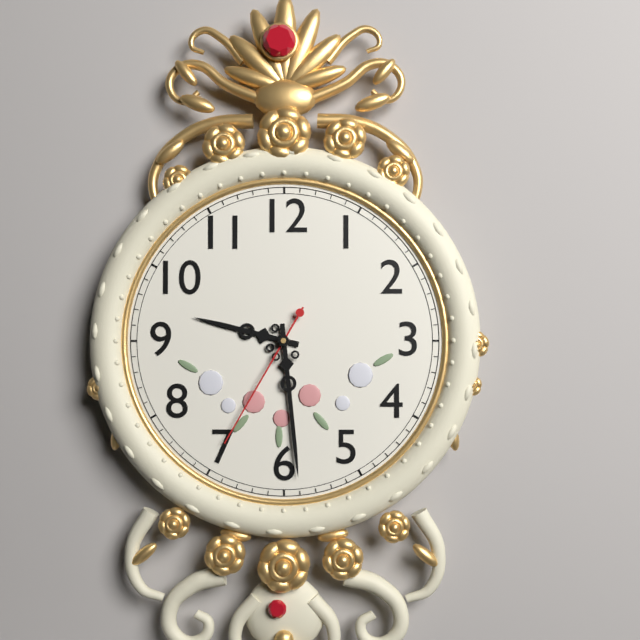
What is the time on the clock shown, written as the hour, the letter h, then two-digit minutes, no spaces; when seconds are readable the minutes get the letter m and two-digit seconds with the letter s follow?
9h29m35s
